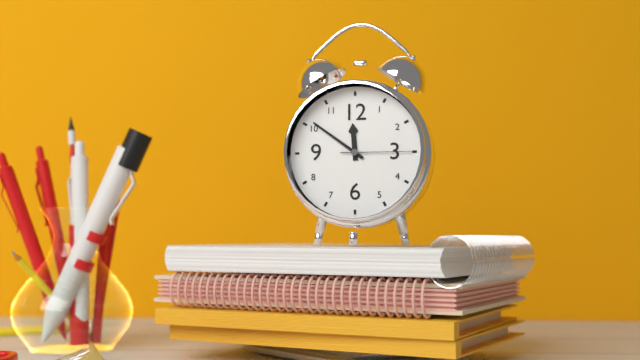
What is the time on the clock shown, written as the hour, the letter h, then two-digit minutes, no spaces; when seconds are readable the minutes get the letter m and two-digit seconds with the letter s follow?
11h51m15s
